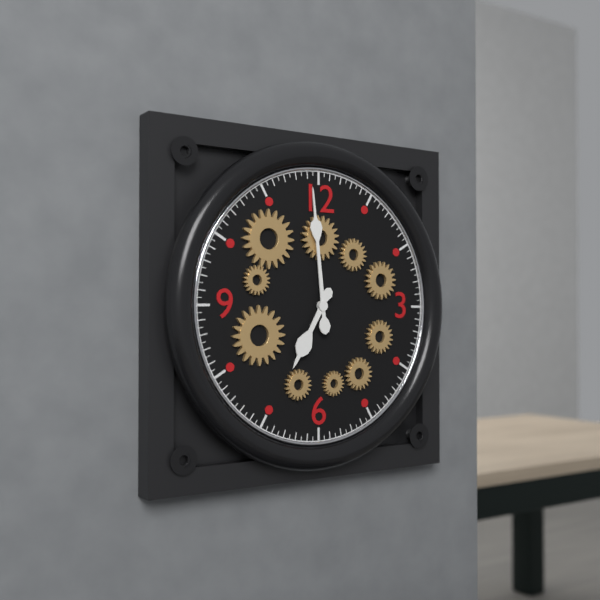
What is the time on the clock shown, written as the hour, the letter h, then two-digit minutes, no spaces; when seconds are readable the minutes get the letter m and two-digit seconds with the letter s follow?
6h59
